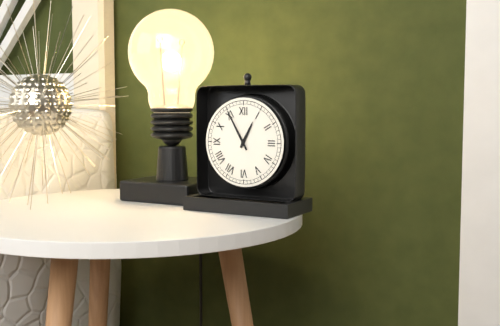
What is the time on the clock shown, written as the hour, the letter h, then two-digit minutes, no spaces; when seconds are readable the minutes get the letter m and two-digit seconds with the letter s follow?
12h55
